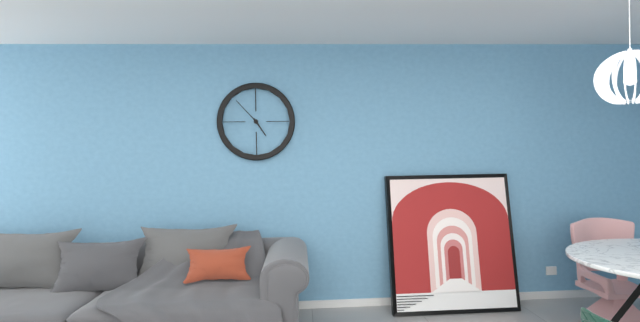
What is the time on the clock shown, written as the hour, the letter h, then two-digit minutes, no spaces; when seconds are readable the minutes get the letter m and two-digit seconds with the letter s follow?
4h53
